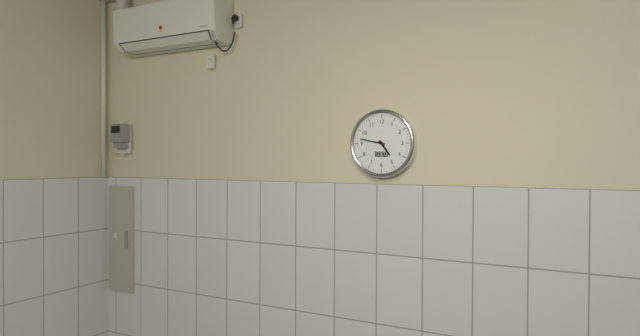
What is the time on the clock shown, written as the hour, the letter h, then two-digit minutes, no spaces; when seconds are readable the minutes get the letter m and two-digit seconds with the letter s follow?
4h47
